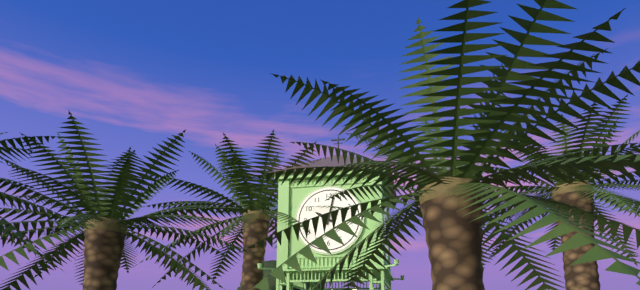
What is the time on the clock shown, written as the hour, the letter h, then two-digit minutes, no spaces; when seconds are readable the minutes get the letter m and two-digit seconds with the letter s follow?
10h02
